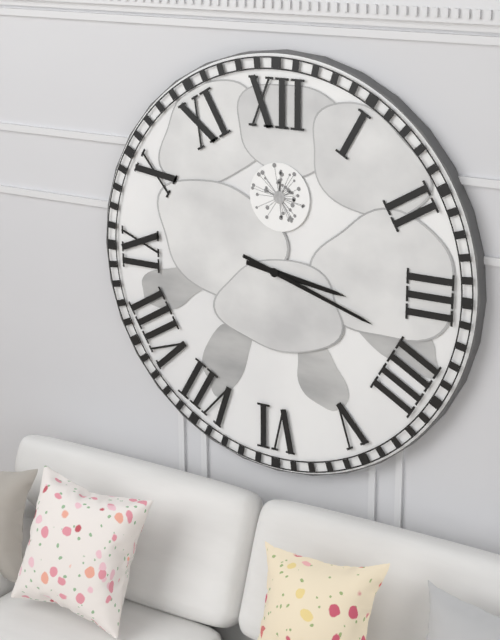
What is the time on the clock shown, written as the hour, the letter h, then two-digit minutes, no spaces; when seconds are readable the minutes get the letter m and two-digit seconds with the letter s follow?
3h18
